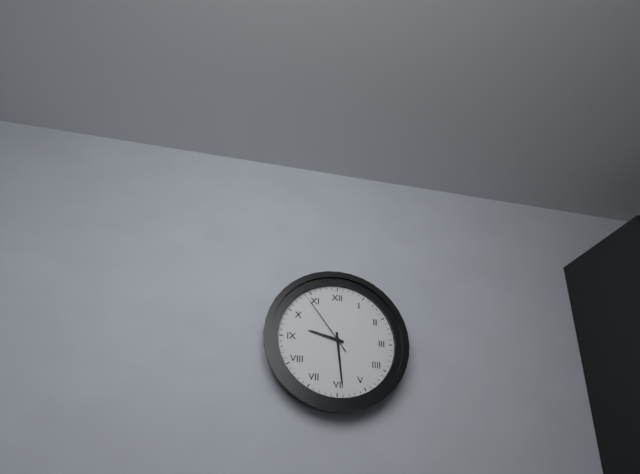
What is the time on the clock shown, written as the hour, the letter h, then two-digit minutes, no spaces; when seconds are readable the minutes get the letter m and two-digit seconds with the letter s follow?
9h29m54s
